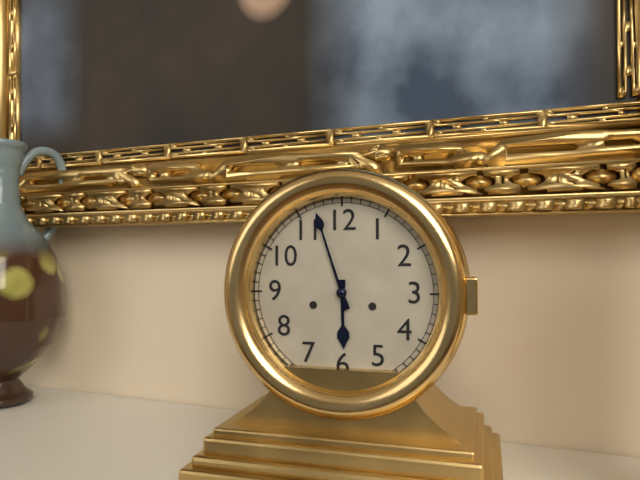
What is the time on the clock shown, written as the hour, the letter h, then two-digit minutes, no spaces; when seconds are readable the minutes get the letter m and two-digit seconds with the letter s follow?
5h57
